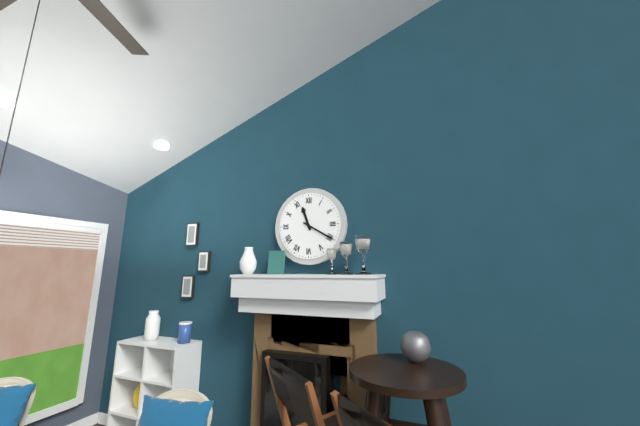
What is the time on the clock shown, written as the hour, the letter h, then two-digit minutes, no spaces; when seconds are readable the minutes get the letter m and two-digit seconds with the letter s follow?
11h20
